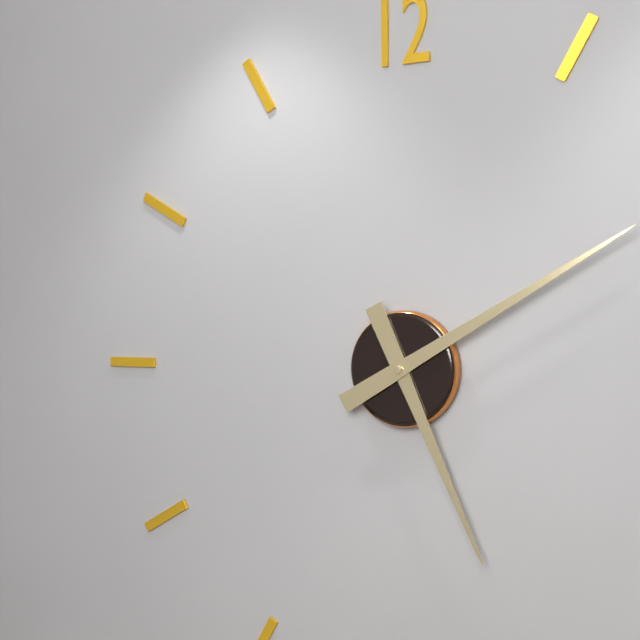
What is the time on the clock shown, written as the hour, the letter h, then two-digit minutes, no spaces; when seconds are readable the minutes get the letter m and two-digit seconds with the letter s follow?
5h10
